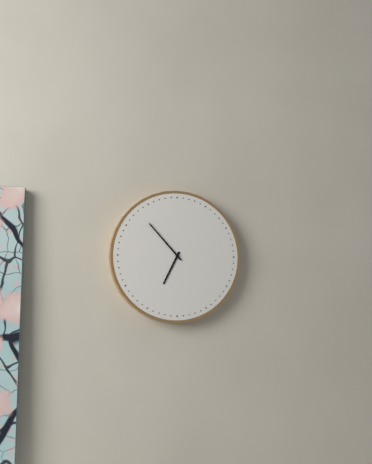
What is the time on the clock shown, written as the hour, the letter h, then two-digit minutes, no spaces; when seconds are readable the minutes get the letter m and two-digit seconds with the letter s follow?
6h53
